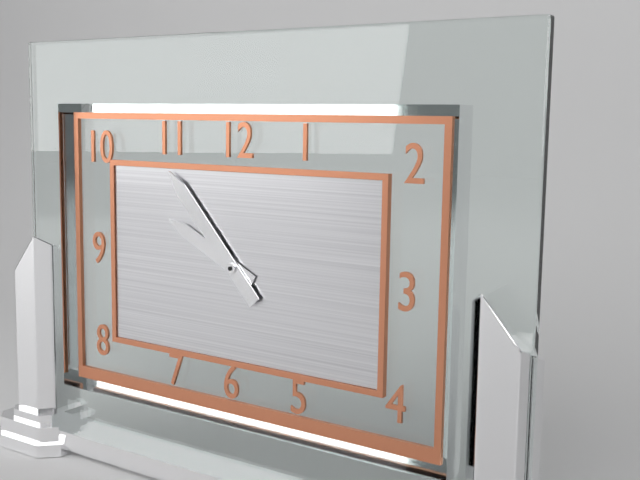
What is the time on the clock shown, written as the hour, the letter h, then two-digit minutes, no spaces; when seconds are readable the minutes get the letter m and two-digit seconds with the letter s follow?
9h53
